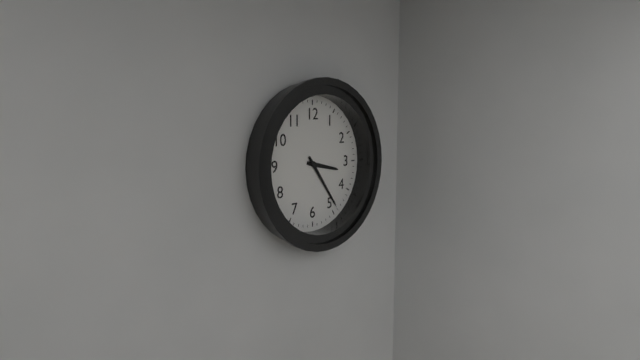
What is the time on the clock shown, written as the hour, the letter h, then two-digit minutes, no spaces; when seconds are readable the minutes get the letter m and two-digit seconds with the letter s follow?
3h24
